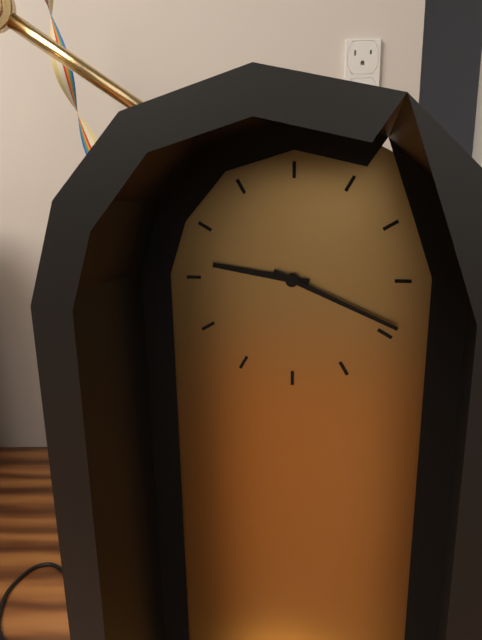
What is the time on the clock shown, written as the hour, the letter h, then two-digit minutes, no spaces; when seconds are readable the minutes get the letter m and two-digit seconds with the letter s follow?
9h19
